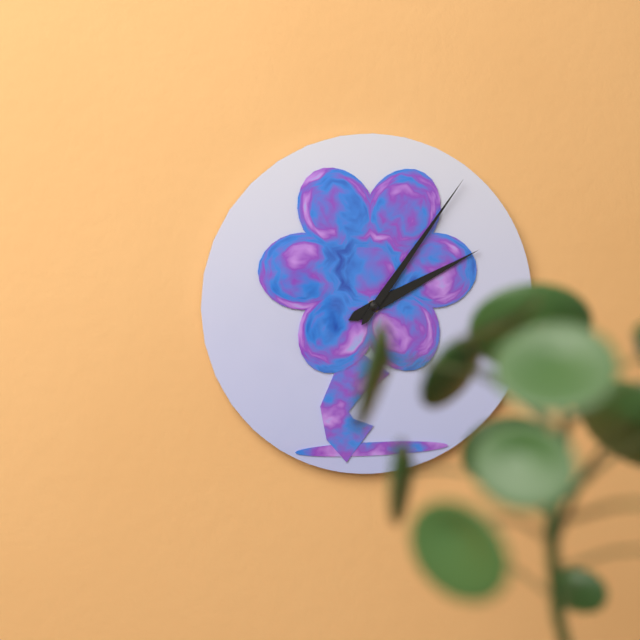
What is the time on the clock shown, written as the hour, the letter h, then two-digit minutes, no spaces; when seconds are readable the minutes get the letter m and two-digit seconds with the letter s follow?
2h06
